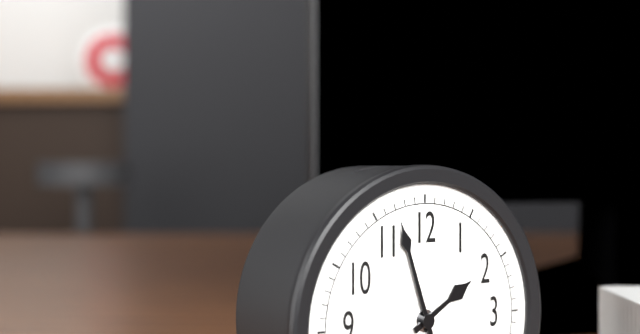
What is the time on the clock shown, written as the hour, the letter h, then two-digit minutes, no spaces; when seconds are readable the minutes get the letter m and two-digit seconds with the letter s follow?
1h57
